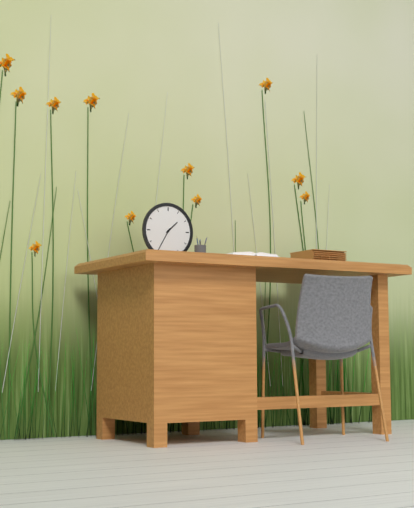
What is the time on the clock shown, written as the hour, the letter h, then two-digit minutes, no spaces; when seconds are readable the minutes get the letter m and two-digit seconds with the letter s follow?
1h35
